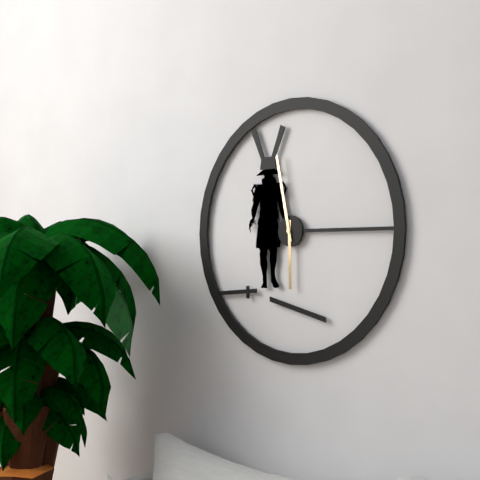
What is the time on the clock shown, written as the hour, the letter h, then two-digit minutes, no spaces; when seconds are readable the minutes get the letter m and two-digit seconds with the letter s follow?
5h58
